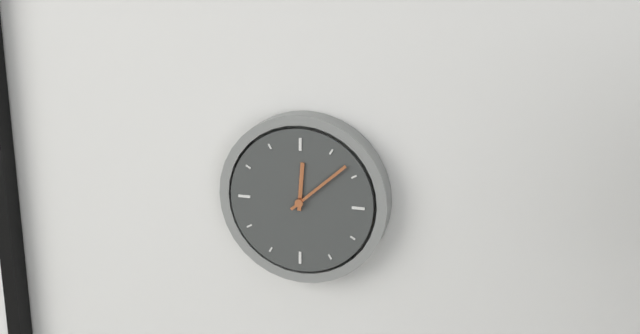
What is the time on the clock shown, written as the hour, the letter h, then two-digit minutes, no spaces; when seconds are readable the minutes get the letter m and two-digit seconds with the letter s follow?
12h08
